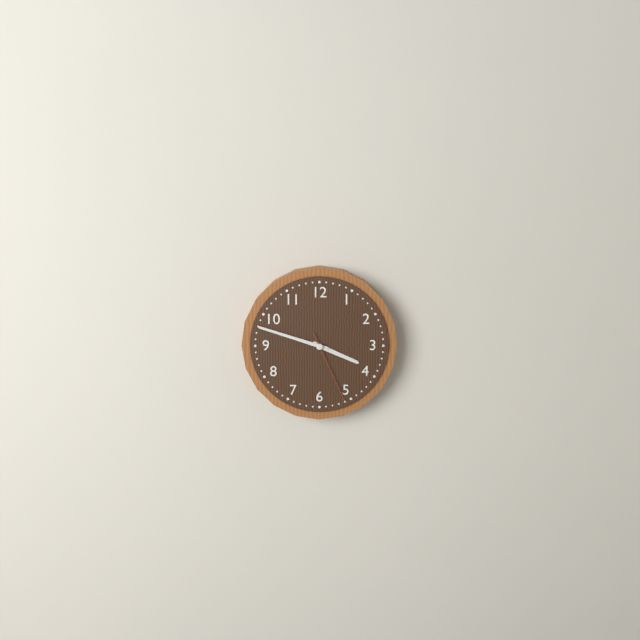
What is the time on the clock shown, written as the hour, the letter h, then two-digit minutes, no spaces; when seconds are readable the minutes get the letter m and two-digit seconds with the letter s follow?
3h48m26s
